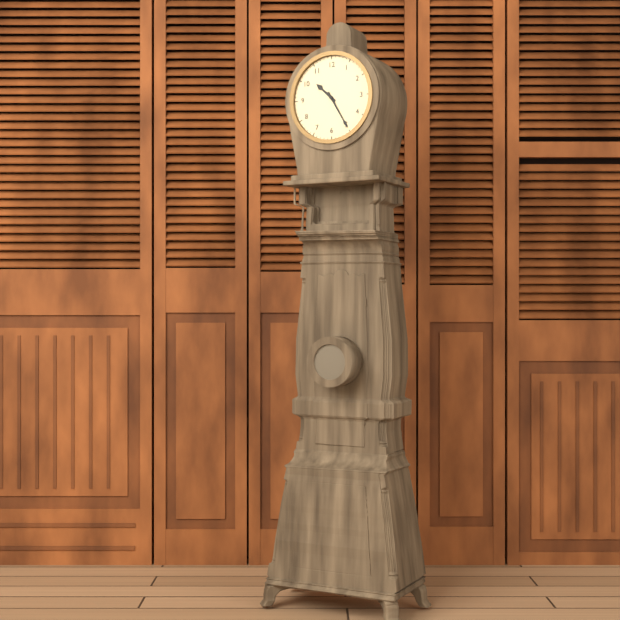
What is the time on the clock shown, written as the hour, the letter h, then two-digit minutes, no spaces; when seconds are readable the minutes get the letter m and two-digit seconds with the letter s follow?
10h25
